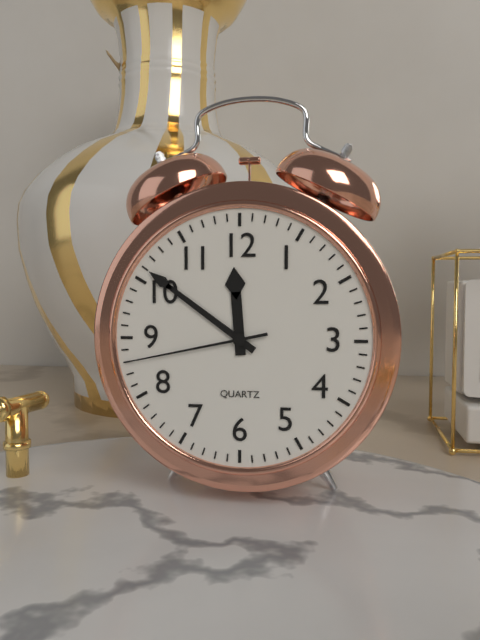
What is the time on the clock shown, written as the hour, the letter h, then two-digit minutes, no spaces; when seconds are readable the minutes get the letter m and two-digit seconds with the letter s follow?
11h51m43s
